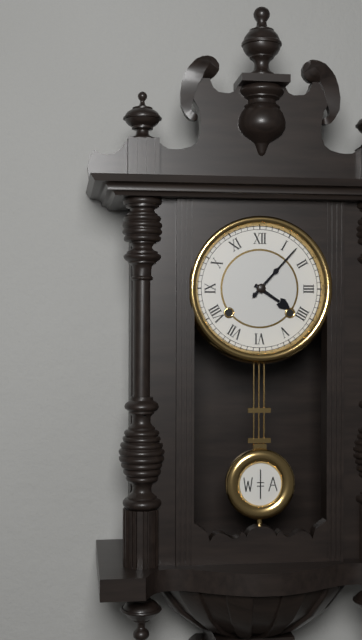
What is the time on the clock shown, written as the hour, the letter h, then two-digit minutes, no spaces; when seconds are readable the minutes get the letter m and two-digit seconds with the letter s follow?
4h07
